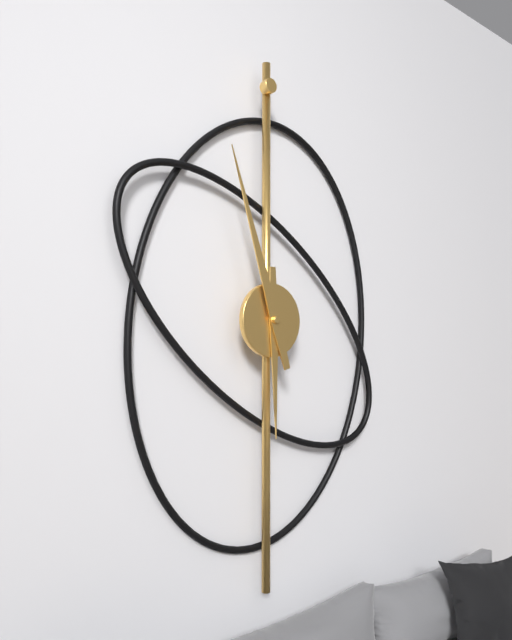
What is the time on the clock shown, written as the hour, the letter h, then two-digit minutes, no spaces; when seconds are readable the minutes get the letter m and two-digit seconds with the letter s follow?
5h57
